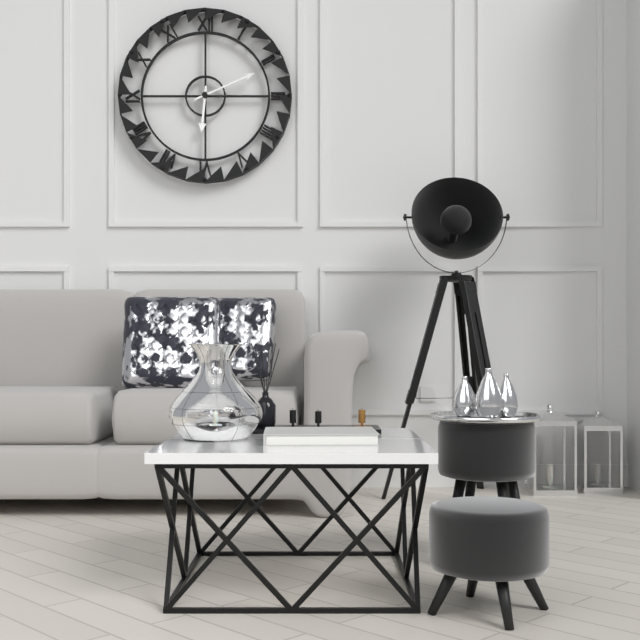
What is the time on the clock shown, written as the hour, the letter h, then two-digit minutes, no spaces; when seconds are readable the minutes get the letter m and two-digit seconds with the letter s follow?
6h11
